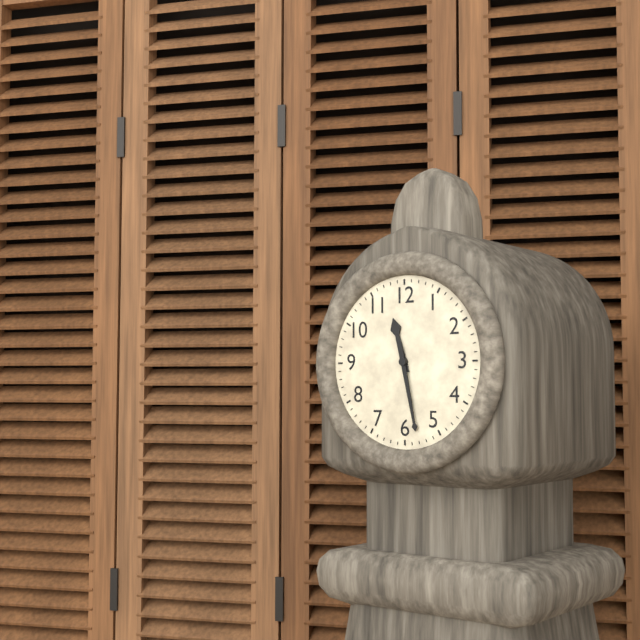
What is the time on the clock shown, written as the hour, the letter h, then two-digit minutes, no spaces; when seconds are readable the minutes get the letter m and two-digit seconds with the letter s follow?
11h28
